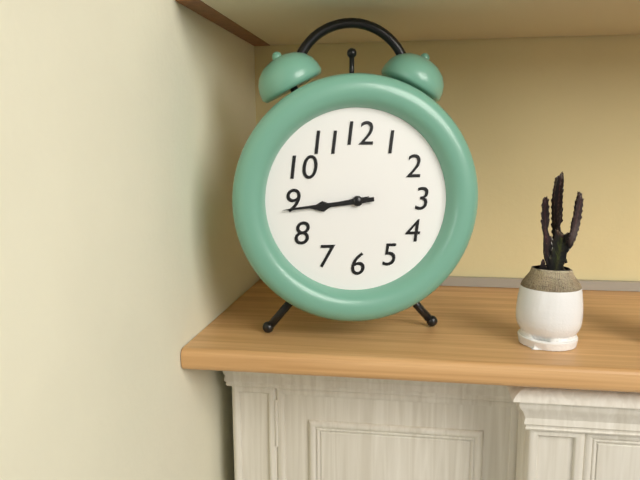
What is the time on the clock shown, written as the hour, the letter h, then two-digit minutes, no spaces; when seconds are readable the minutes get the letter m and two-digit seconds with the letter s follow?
8h44
